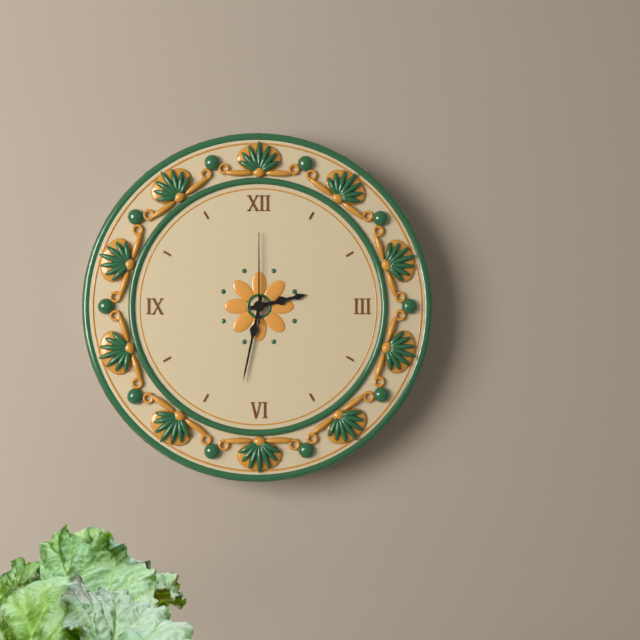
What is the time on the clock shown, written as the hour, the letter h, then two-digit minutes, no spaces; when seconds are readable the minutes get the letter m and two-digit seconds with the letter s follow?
2h32m00s
